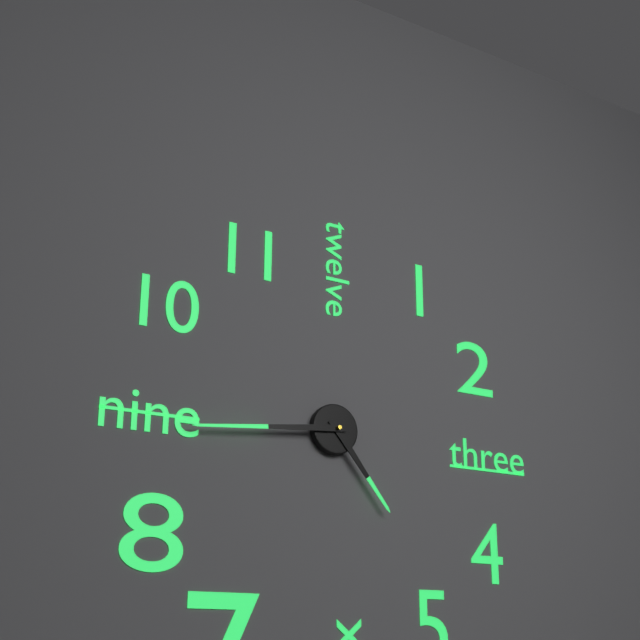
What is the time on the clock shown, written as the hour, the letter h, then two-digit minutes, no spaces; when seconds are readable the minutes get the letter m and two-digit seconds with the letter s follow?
4h44
